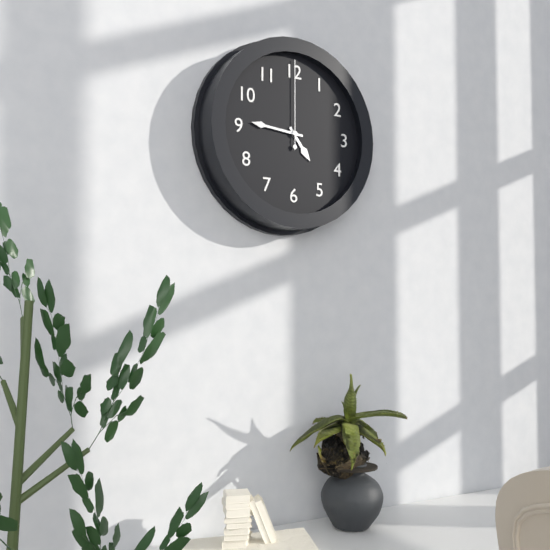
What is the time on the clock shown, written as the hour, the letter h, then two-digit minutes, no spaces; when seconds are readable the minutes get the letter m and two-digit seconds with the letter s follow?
4h46m00s
